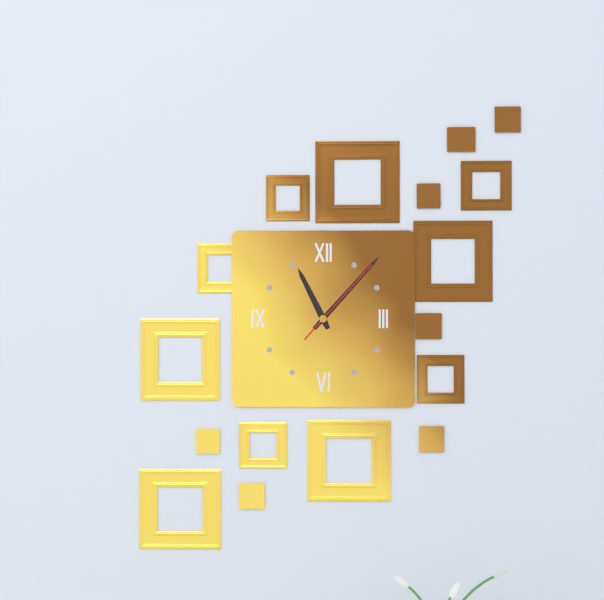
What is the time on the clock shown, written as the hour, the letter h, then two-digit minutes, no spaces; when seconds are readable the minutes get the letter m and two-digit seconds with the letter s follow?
11h07m07s
